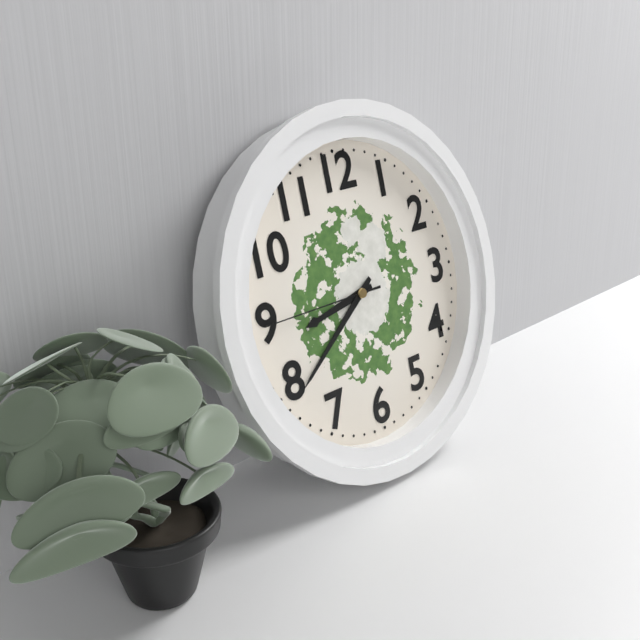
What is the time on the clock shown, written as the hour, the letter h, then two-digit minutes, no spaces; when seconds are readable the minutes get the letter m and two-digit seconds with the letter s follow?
8h39m45s
